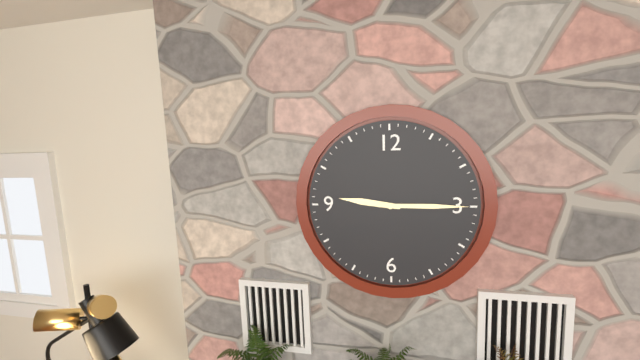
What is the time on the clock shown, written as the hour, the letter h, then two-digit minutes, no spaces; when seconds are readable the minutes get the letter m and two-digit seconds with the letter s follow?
9h15
